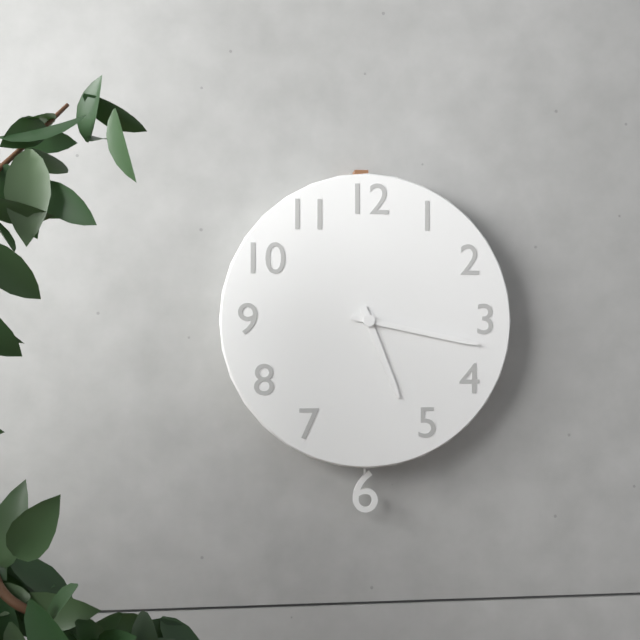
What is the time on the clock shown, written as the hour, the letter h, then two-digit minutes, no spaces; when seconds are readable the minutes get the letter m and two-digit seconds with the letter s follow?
5h17
